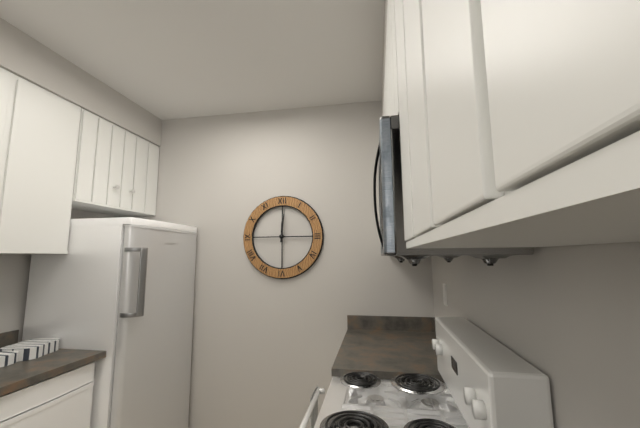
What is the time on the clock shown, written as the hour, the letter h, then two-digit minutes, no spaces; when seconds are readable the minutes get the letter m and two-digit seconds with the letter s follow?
12h01
